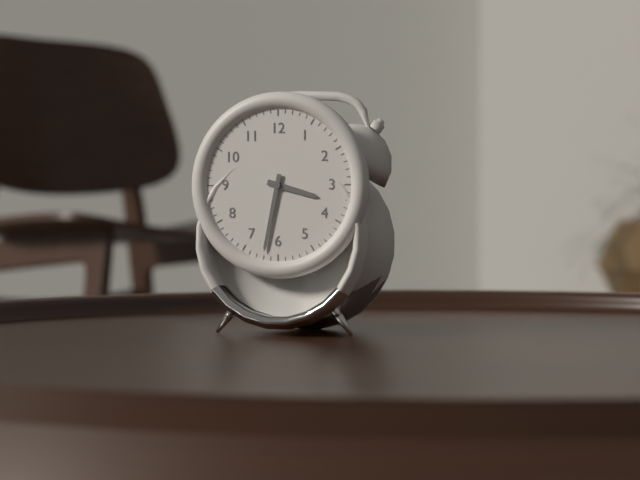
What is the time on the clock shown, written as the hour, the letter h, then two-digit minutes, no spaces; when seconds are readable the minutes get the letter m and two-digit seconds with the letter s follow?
3h32
